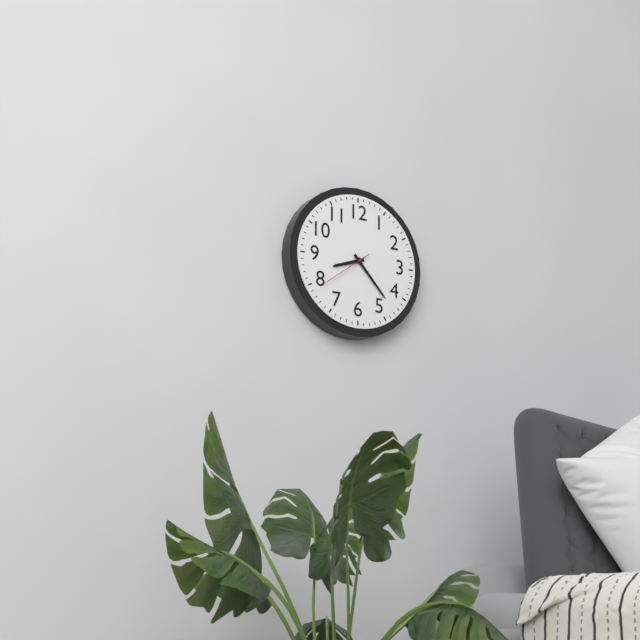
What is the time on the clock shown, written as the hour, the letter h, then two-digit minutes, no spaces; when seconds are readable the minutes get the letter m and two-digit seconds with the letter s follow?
8h23m39s
